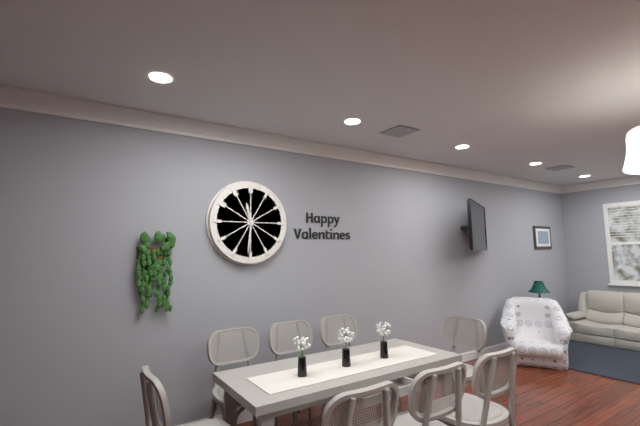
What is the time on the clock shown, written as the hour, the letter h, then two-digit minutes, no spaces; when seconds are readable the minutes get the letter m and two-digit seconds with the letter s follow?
11h31
